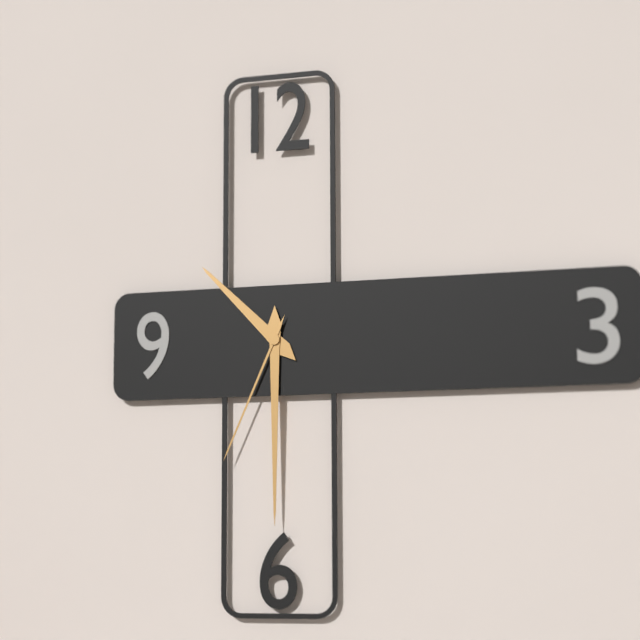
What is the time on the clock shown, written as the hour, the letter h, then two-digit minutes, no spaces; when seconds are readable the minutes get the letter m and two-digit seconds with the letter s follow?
10h30m34s
